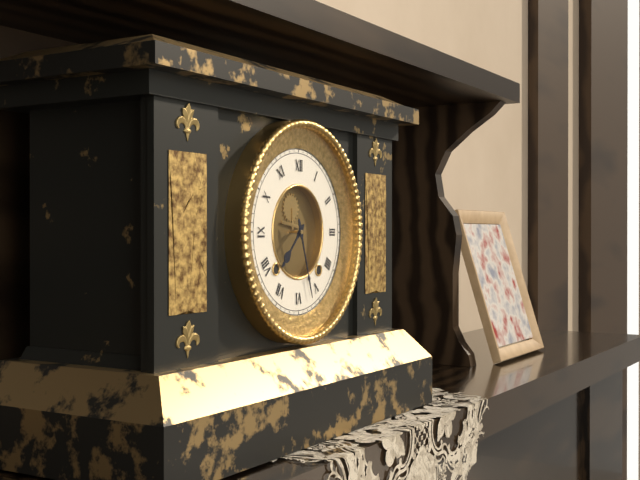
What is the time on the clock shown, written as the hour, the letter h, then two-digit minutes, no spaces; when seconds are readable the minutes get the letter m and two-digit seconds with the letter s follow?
7h27
